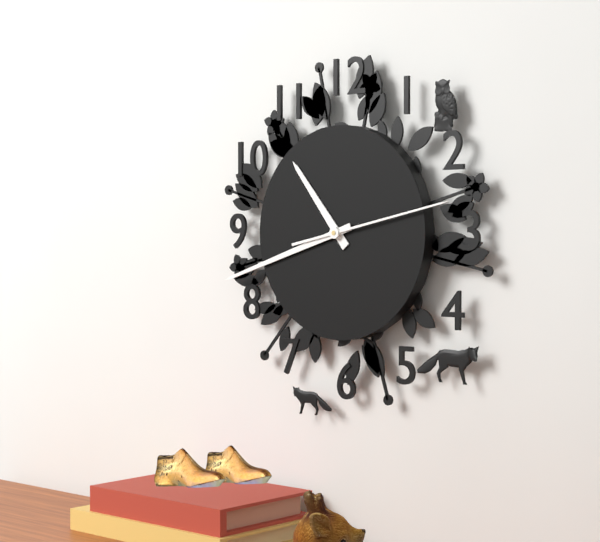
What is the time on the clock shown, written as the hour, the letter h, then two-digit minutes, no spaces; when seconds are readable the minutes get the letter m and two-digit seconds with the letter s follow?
10h42m13s
